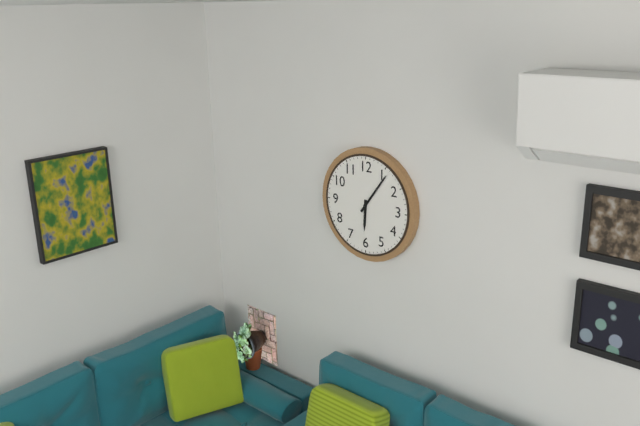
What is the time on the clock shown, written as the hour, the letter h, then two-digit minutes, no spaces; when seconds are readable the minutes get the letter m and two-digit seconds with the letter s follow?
6h06
